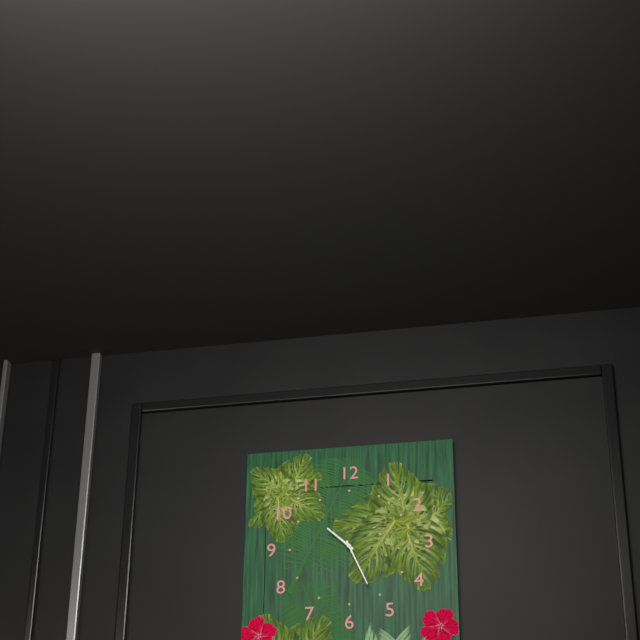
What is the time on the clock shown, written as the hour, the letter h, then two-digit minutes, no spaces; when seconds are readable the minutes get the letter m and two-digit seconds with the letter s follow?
10h26
